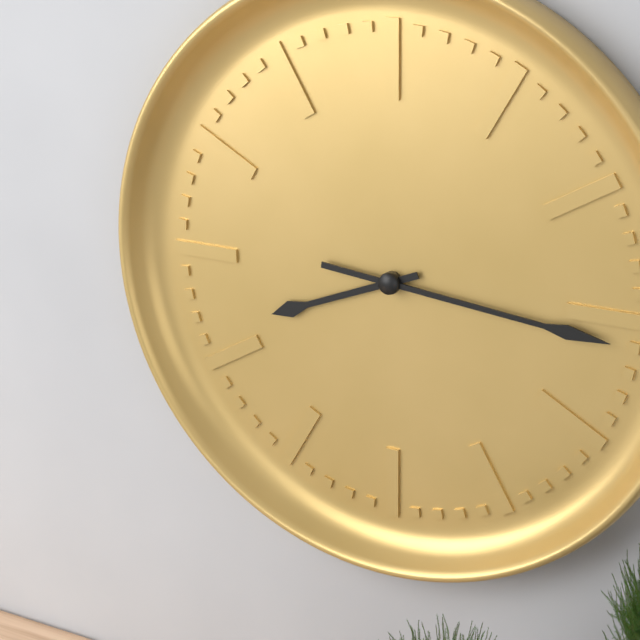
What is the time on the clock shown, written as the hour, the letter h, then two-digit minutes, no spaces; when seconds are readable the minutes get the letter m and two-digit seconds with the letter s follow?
8h16
